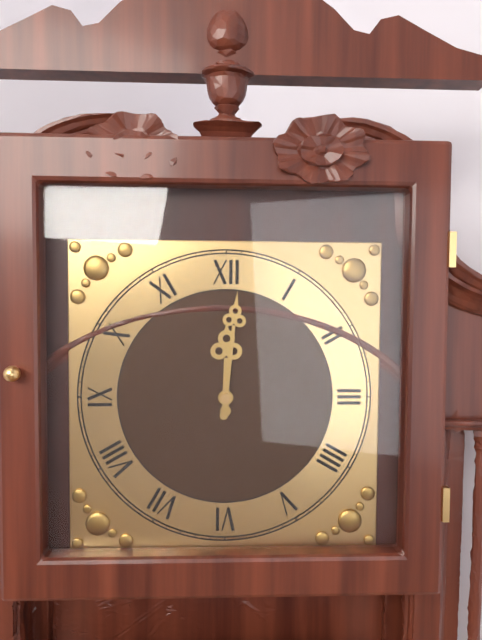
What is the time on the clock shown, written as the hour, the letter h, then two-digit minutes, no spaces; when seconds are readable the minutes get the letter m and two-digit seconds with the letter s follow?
12h01
